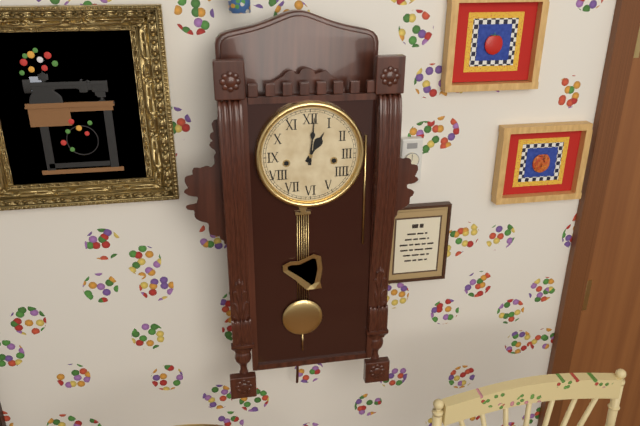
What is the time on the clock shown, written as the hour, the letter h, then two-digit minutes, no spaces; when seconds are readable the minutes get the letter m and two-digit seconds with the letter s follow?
1h01
